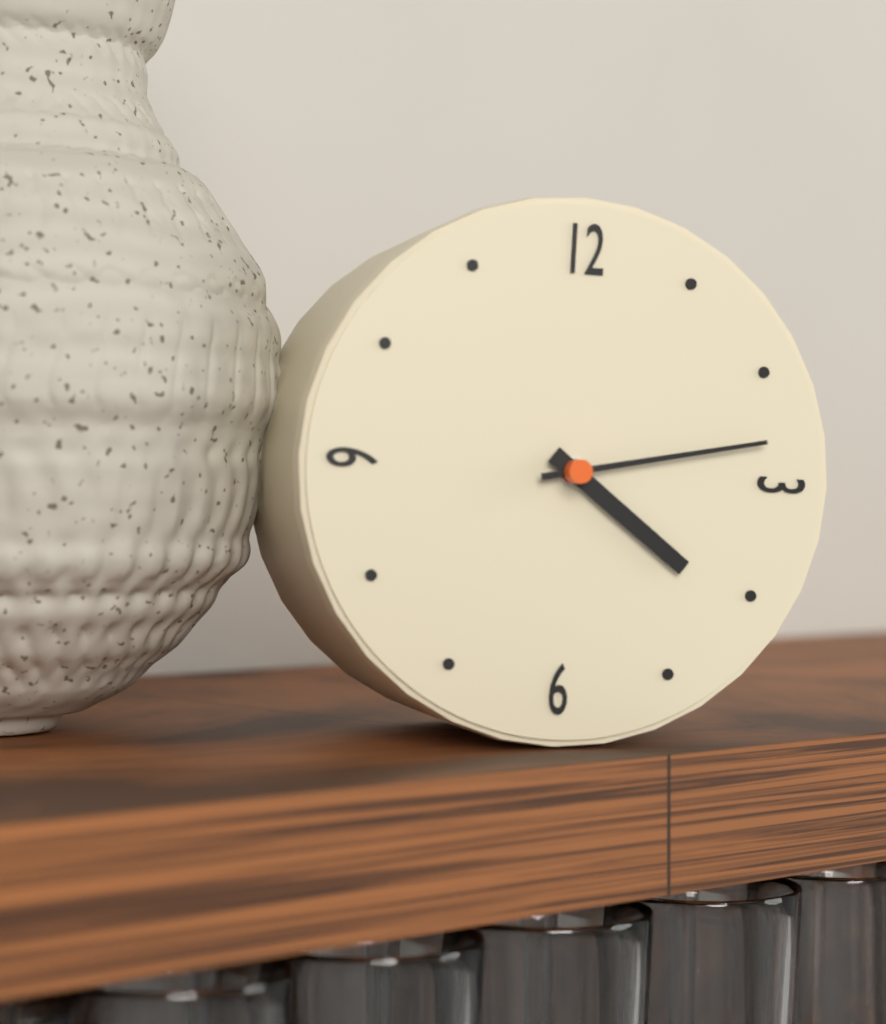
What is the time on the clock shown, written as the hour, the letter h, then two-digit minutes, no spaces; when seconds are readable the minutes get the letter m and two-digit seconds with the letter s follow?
4h13
